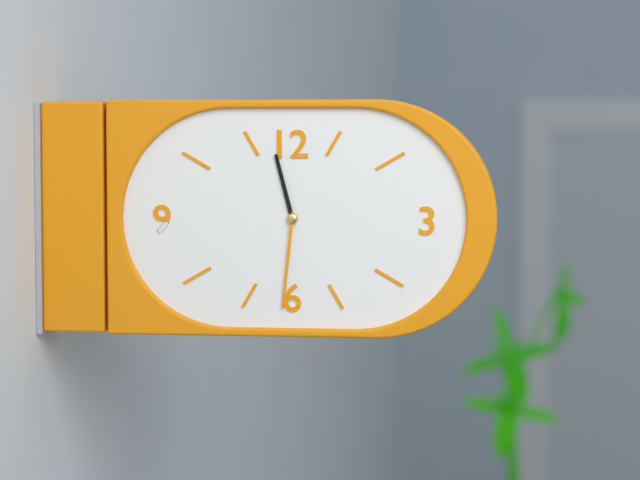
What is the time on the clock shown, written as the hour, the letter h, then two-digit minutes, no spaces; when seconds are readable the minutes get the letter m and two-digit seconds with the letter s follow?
11h31
